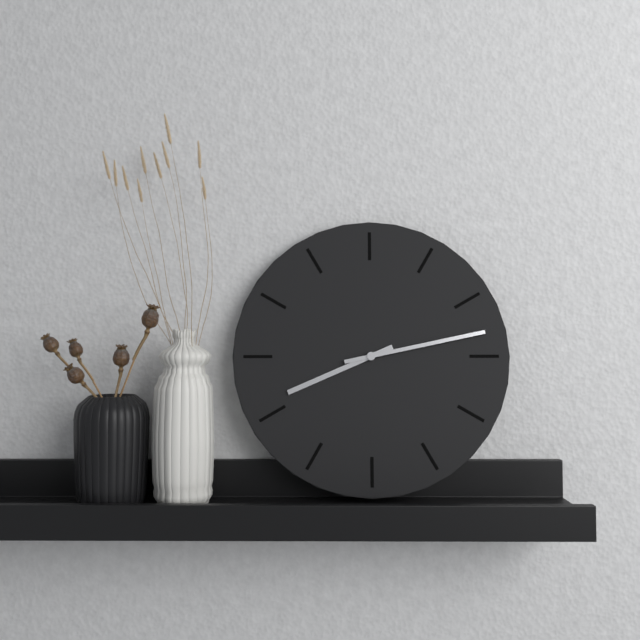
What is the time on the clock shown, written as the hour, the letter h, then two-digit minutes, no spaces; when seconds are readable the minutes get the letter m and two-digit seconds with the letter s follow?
8h13
